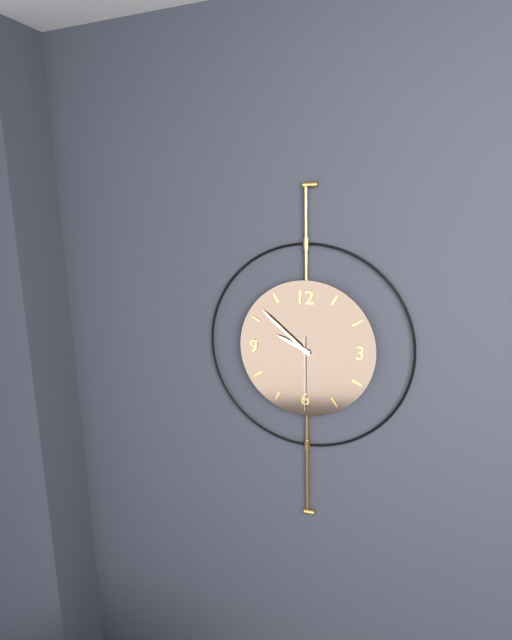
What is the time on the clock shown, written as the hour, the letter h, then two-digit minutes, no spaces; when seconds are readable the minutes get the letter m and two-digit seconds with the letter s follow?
9h52m30s
